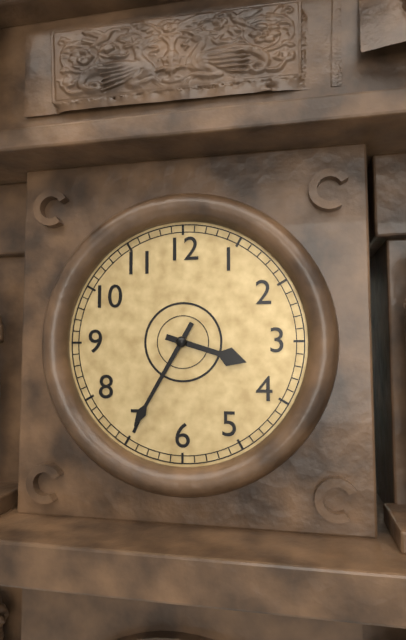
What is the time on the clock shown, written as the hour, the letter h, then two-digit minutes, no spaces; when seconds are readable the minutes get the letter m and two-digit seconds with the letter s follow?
3h35
